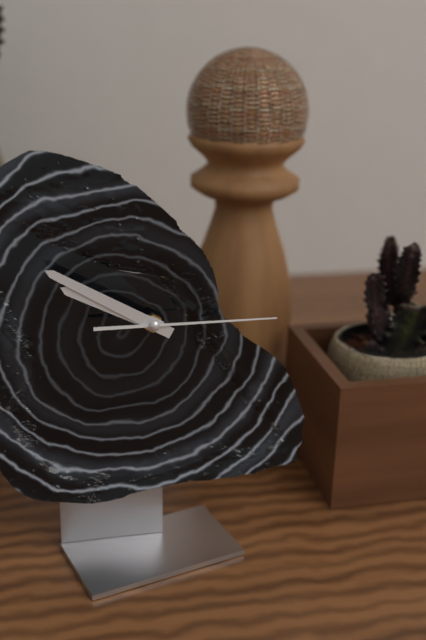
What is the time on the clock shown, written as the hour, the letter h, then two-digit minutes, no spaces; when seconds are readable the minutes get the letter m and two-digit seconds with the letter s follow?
9h50m15s
